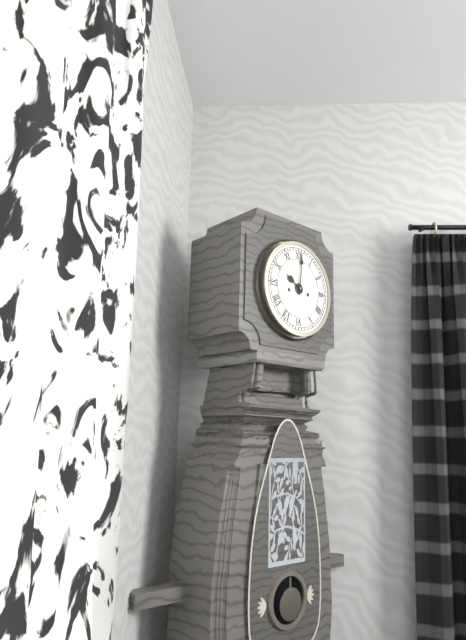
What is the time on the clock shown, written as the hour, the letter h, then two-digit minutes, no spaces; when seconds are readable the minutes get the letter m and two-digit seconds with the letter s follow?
10h01
